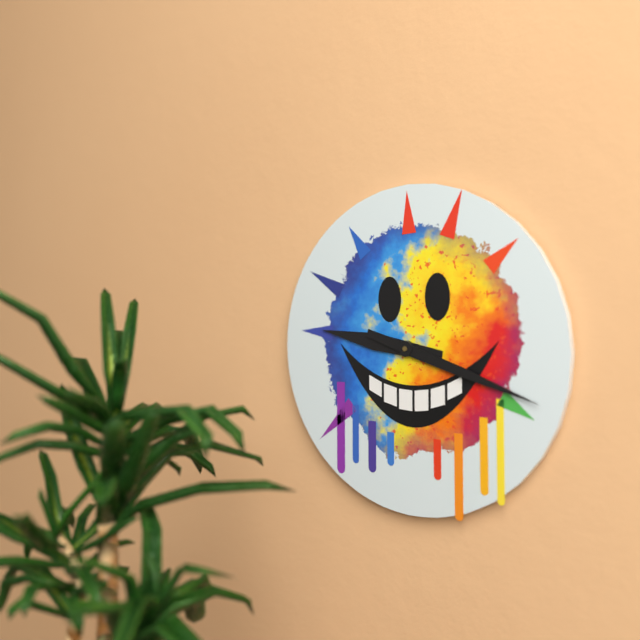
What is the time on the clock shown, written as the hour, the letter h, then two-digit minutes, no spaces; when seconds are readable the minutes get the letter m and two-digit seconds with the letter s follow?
9h18
